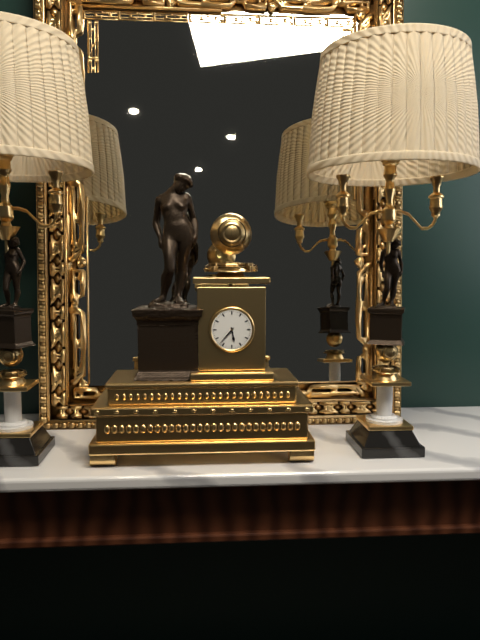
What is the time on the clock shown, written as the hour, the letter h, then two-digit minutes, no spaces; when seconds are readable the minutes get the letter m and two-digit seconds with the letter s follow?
5h37
